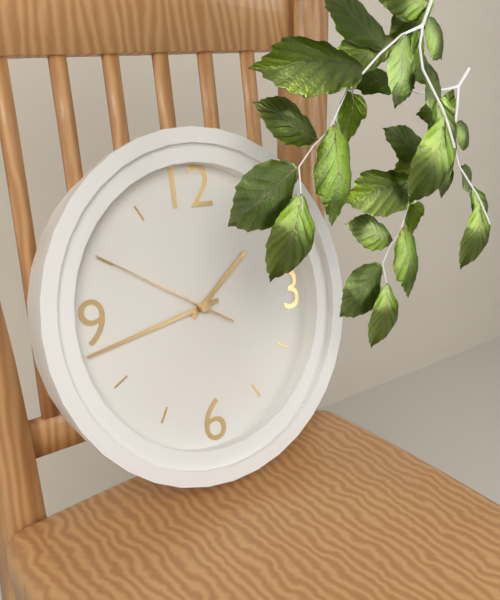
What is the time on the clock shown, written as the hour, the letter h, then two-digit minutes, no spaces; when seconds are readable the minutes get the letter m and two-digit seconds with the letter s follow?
1h43m50s
